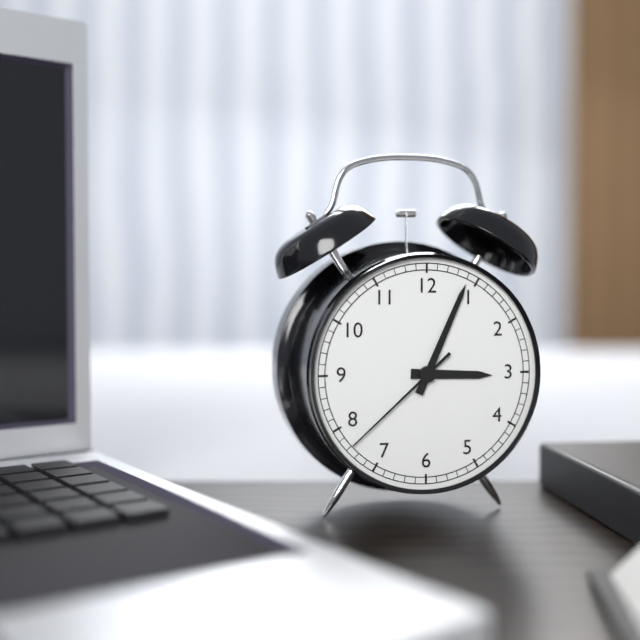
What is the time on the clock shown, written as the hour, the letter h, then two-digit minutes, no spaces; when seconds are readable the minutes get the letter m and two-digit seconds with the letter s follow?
3h04m38s
